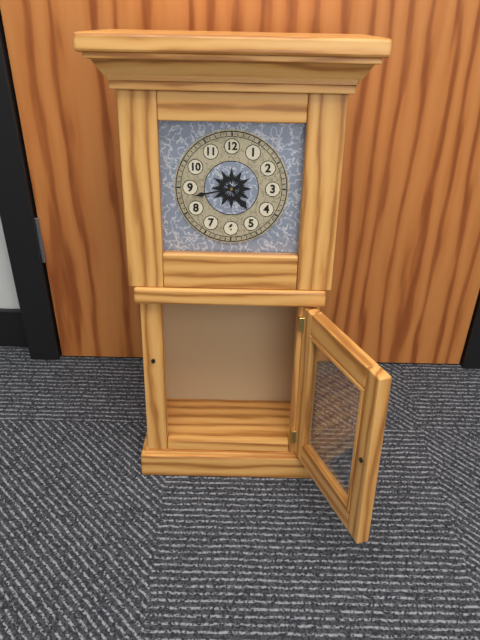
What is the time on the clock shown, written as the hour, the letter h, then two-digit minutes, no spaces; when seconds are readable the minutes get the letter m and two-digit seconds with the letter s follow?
4h43
